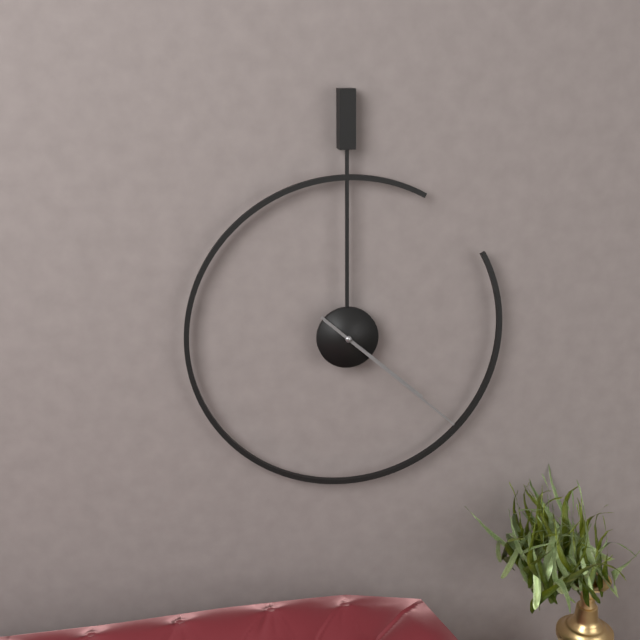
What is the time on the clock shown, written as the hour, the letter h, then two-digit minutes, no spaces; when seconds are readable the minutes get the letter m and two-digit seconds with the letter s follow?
4h22
